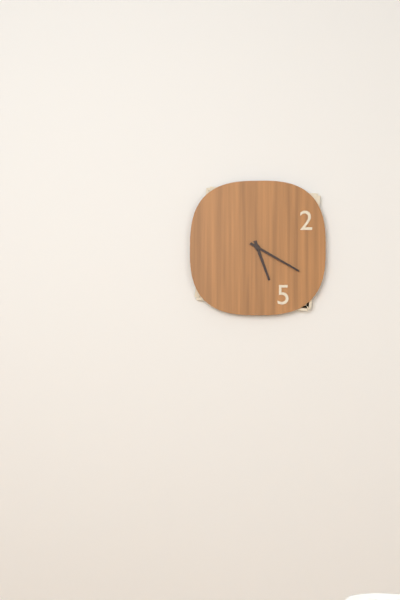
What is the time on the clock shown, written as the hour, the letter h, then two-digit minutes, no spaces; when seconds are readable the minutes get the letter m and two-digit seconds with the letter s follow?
5h20
